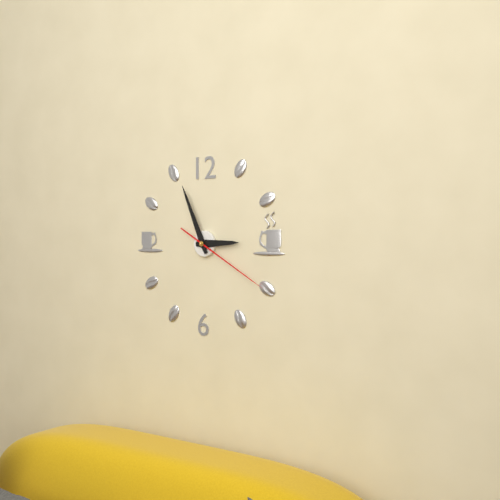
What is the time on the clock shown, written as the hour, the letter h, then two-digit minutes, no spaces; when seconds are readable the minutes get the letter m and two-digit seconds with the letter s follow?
2h56m20s
